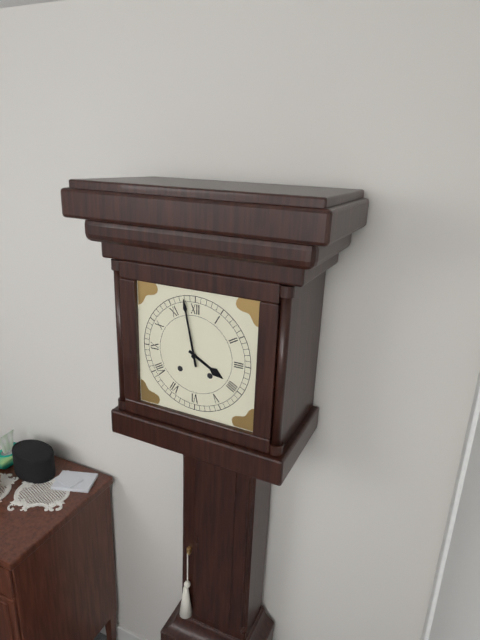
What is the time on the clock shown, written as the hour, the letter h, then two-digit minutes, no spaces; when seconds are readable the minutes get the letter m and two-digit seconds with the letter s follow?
3h58
